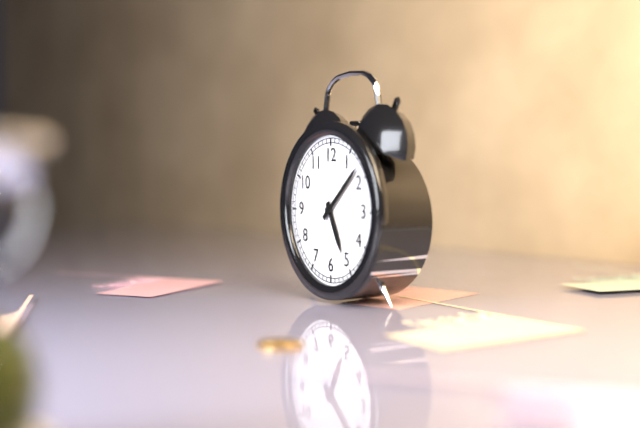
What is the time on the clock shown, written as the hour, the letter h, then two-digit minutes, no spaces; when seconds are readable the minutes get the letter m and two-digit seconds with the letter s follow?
5h08
